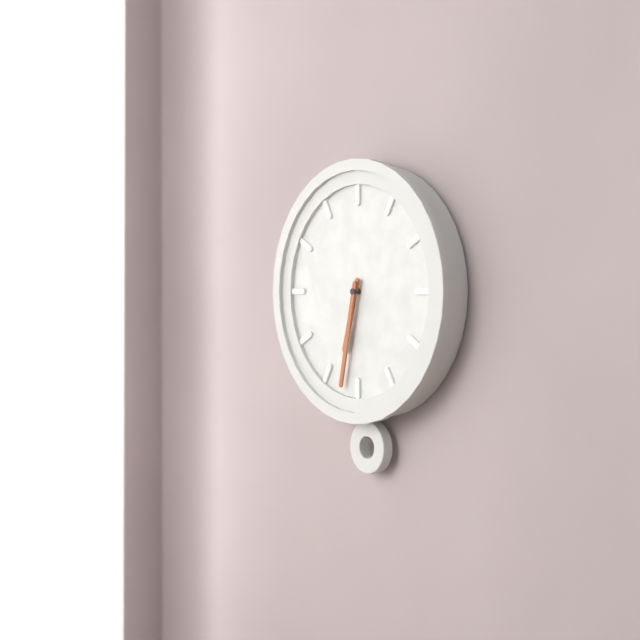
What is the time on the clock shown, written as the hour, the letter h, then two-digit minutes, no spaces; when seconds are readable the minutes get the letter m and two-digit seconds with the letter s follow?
6h32
